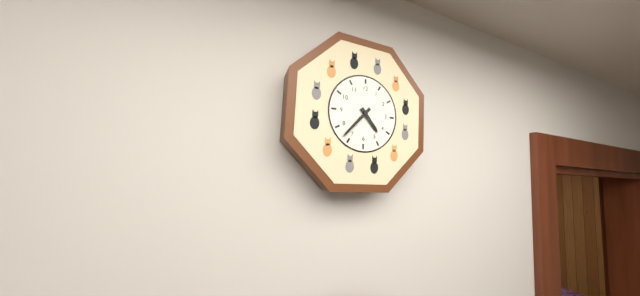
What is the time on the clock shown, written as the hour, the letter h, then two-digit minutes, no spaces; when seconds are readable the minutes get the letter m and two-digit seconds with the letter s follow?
4h37
